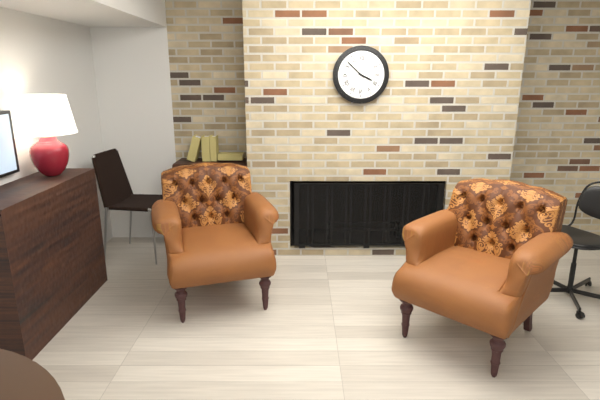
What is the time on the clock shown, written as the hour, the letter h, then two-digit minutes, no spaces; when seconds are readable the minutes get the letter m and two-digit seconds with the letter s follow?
3h52
